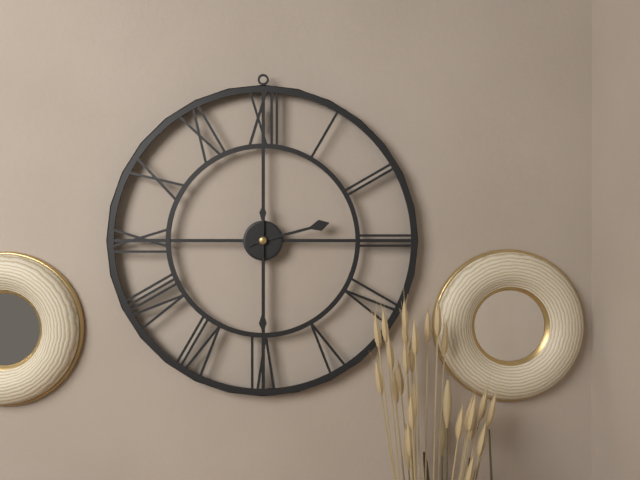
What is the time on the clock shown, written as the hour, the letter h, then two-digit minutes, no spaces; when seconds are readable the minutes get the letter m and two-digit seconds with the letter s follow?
2h30
